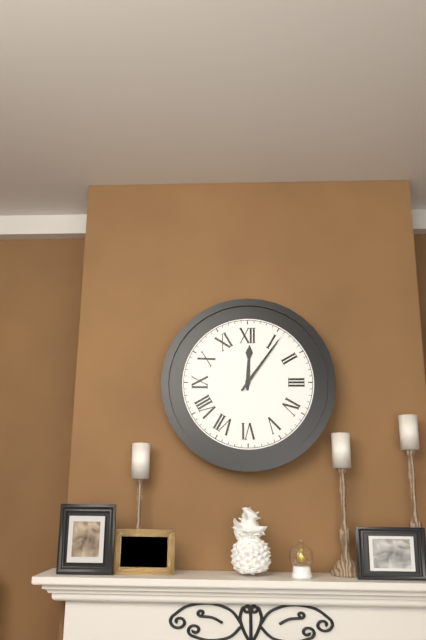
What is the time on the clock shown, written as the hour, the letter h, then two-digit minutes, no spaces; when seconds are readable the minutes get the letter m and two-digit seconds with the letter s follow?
12h06
